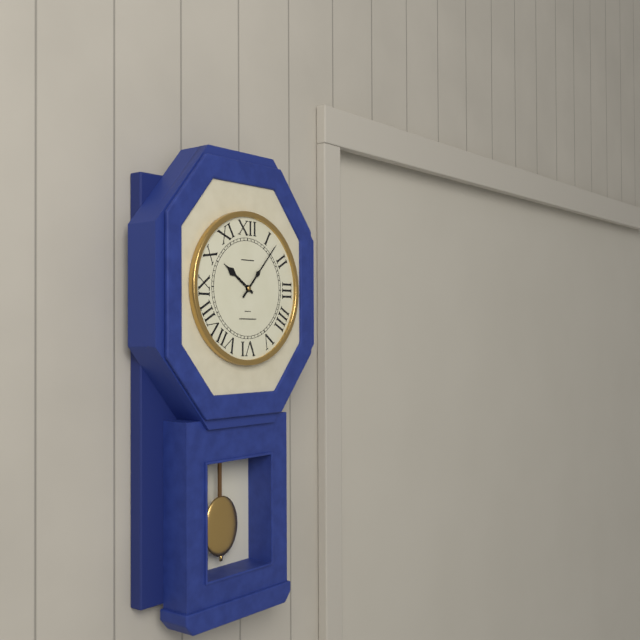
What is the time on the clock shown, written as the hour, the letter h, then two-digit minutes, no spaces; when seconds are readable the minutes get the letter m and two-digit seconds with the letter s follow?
10h07
